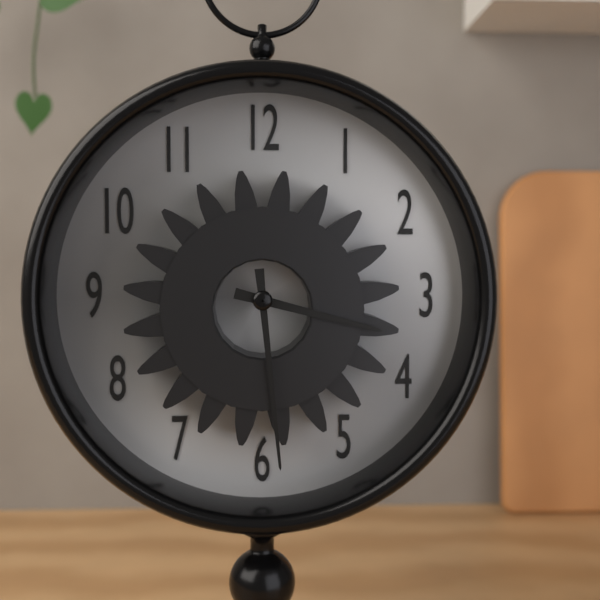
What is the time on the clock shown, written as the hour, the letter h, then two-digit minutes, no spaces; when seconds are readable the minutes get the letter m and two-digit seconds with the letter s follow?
3h29
